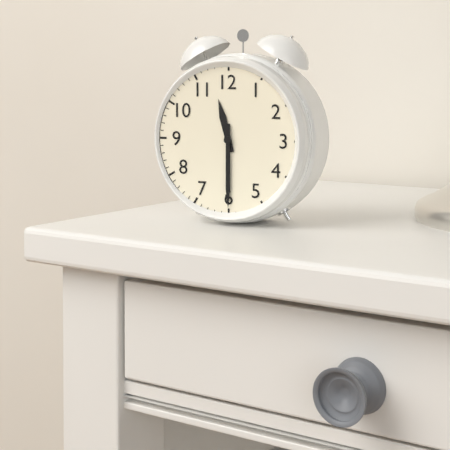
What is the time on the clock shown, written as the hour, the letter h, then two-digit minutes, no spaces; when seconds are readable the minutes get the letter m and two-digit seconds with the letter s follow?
11h30
